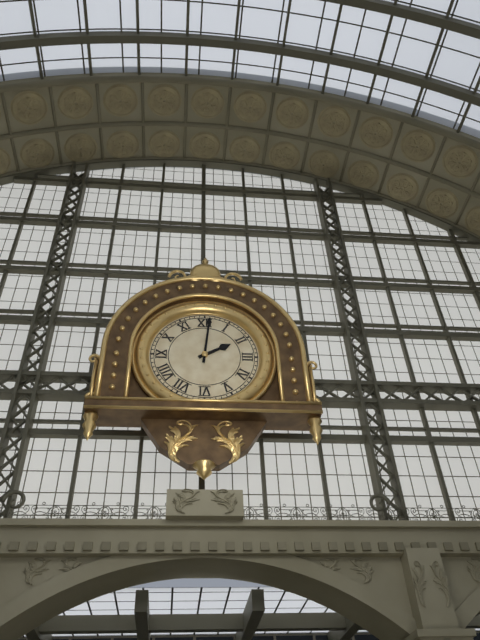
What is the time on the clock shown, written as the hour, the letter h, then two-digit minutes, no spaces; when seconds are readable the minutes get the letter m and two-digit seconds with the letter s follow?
2h01
